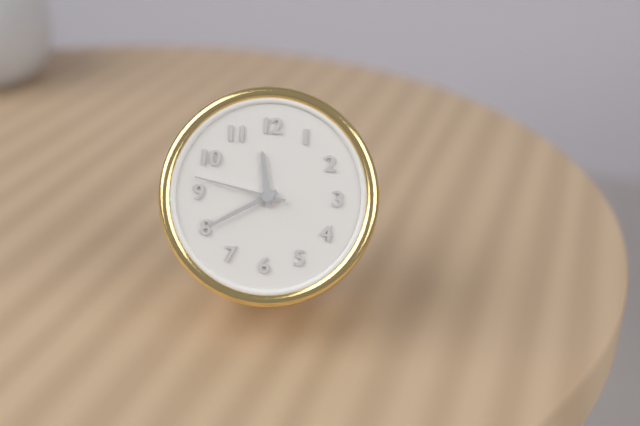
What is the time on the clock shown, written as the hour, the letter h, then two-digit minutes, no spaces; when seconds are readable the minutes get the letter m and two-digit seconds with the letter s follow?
11h40m47s
